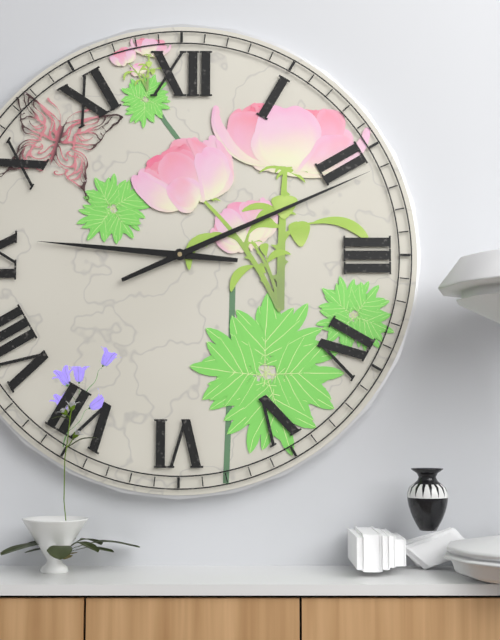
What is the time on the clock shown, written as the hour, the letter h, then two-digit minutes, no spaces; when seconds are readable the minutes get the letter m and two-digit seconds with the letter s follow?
9h11
